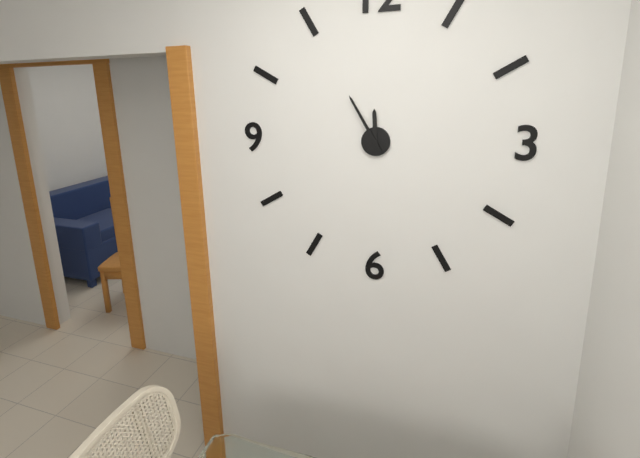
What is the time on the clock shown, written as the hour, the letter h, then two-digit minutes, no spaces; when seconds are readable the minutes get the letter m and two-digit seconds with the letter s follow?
11h55
